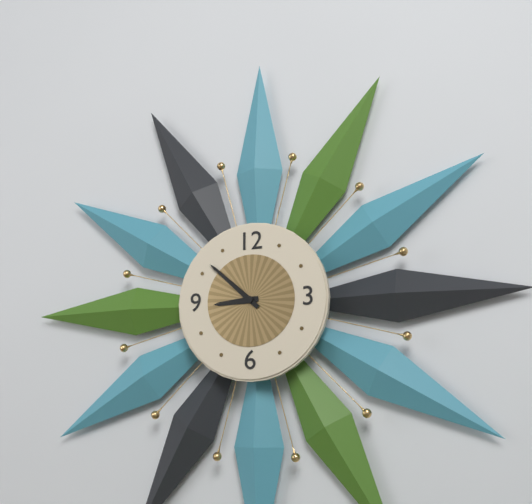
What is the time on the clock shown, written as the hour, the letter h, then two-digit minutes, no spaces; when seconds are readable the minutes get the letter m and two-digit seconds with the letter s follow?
8h52
